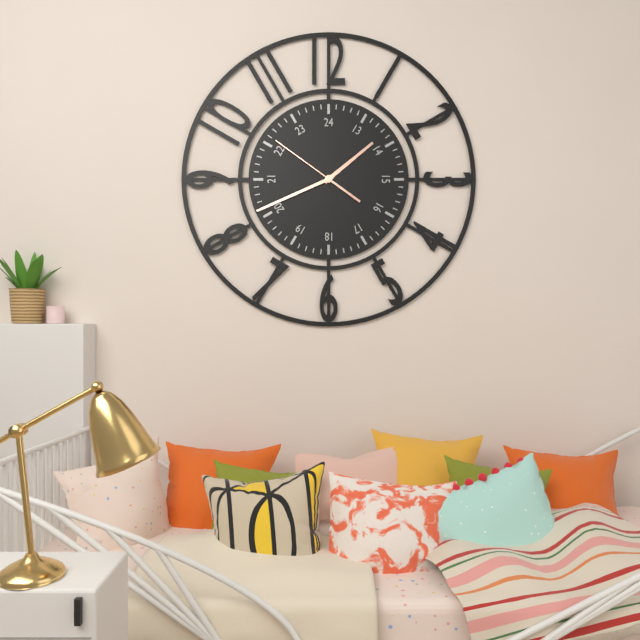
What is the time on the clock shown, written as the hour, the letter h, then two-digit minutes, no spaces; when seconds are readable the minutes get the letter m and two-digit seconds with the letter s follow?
1h41m51s
